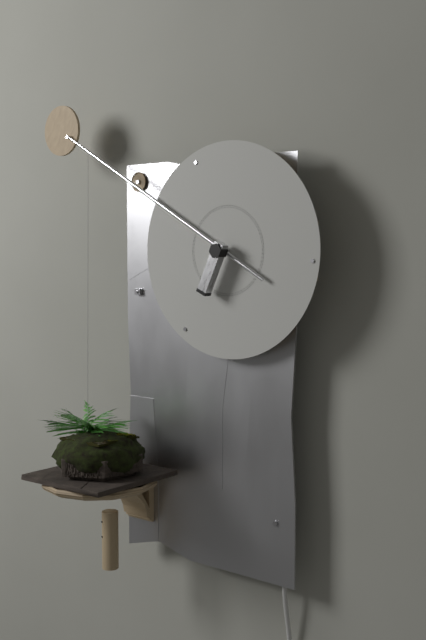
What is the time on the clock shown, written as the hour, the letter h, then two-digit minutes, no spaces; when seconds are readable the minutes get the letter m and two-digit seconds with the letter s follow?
6h50
